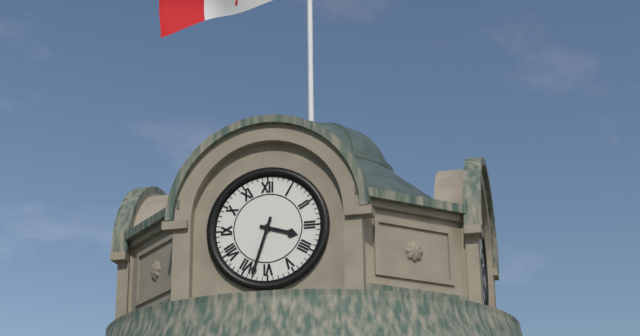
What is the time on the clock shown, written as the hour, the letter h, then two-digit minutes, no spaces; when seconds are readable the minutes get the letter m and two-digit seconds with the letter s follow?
3h33
